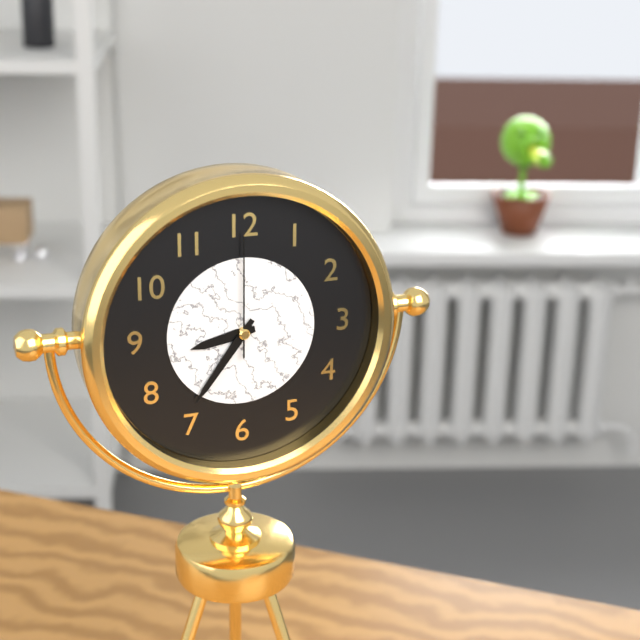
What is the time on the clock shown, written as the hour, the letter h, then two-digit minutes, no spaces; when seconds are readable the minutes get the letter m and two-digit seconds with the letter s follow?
8h36m00s
